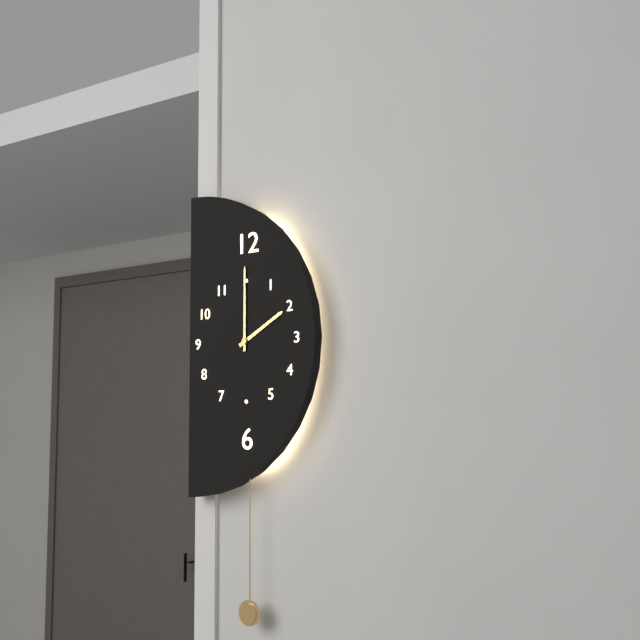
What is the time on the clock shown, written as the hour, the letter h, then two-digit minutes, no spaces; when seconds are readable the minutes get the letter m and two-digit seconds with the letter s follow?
2h00
